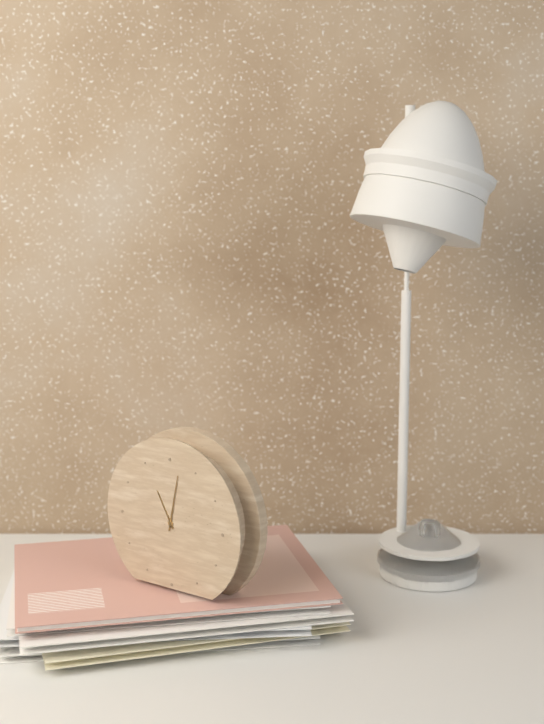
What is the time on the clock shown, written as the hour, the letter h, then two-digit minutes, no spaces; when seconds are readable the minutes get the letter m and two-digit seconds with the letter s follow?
11h02
